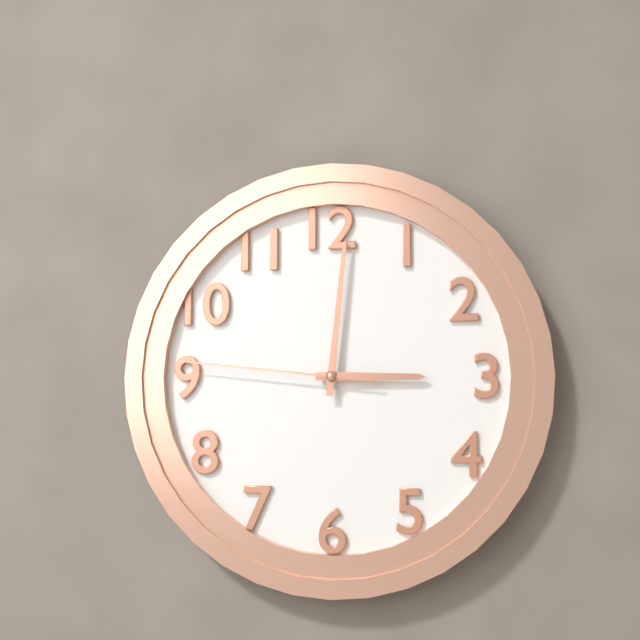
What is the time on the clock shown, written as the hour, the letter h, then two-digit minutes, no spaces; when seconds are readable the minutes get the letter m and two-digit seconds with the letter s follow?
3h01m46s
